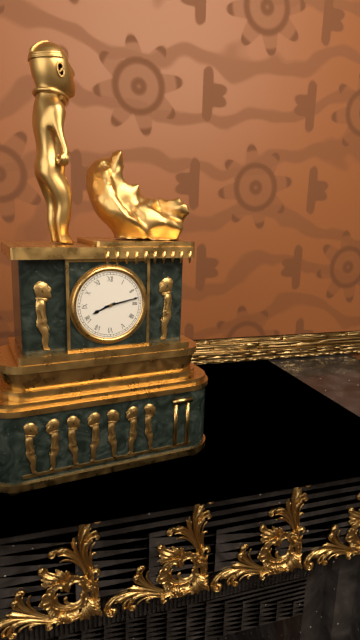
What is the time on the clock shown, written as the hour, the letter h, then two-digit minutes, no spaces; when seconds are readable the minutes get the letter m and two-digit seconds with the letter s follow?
8h13
